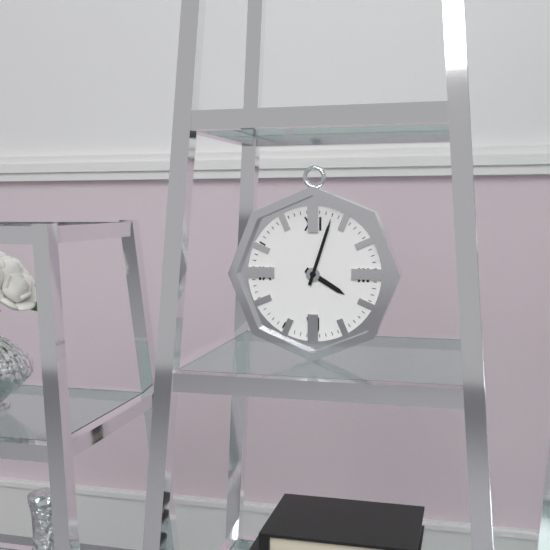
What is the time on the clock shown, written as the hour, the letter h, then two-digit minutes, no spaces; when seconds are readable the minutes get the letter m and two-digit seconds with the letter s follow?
4h03
